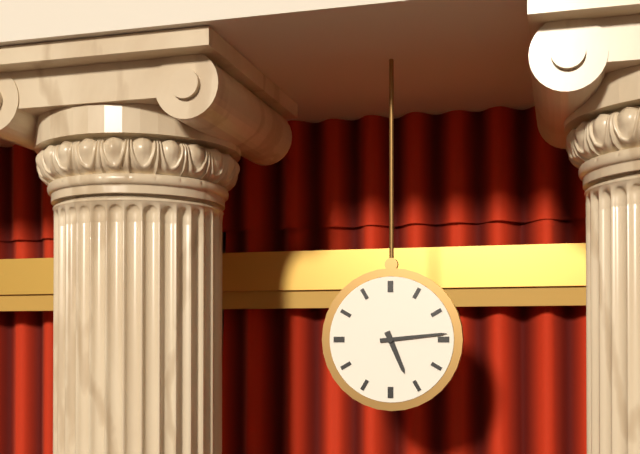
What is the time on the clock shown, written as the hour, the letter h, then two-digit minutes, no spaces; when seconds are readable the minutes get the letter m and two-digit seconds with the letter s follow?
5h14
